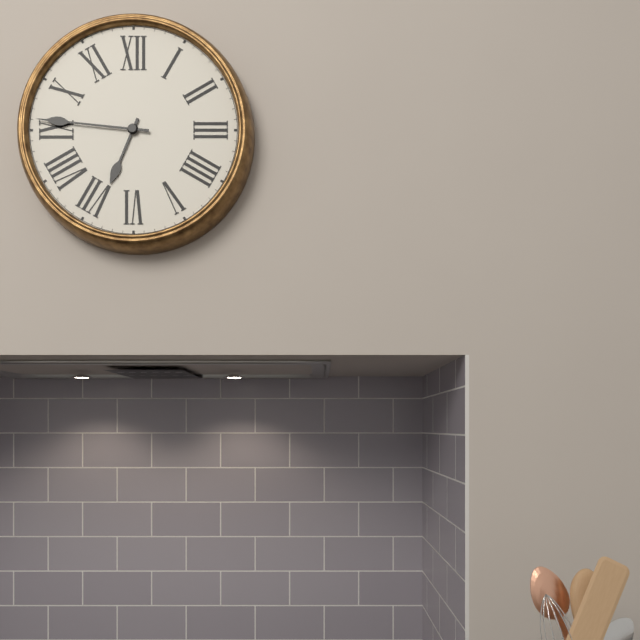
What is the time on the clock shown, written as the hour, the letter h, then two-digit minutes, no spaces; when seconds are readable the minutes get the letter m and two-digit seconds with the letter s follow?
6h46
